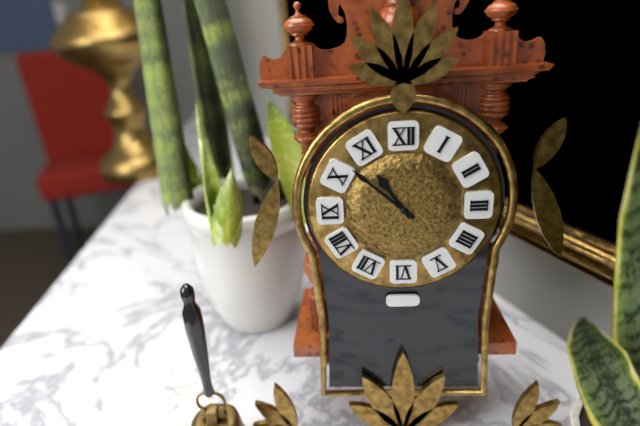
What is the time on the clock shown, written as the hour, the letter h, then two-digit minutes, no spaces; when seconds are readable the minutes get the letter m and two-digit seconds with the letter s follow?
10h52
